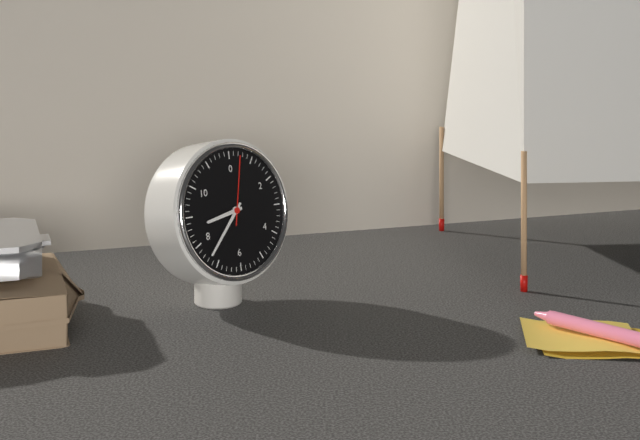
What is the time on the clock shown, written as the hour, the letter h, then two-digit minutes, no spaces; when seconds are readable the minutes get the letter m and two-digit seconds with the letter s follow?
8h37m02s
